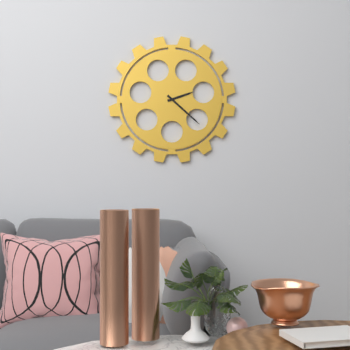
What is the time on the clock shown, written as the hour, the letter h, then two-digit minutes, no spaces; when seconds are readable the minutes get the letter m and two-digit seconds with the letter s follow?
2h22
